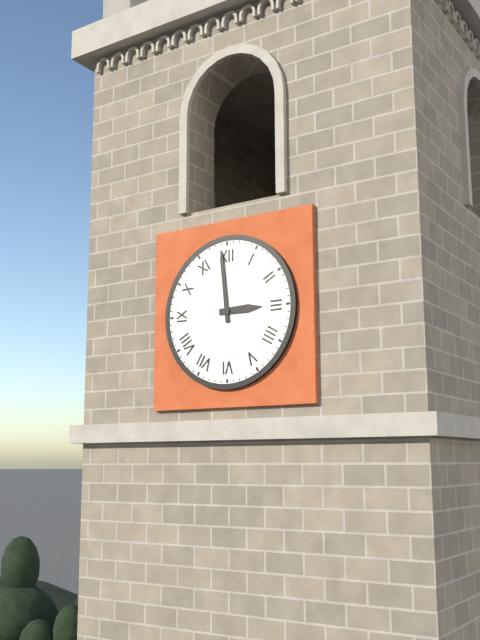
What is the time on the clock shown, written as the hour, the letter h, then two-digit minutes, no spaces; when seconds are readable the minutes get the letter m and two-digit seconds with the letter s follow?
2h59
